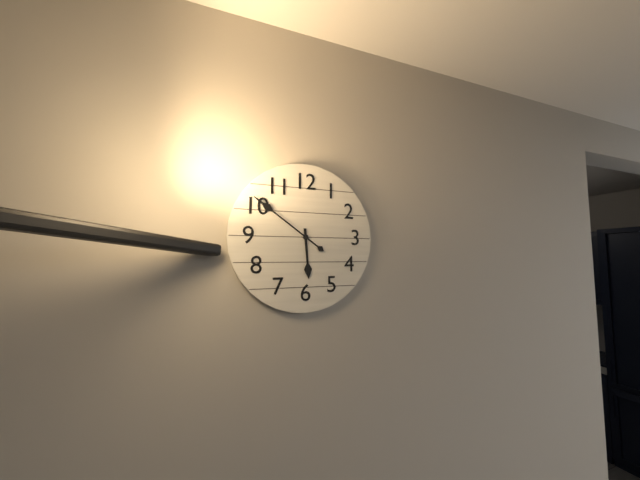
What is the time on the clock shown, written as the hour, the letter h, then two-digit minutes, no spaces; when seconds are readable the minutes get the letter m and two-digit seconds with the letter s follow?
5h51
